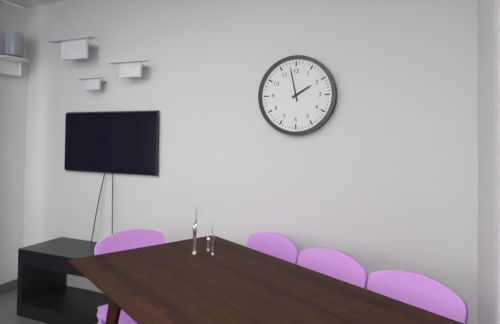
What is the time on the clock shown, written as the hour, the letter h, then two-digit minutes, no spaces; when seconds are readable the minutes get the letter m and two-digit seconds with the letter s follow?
1h58
